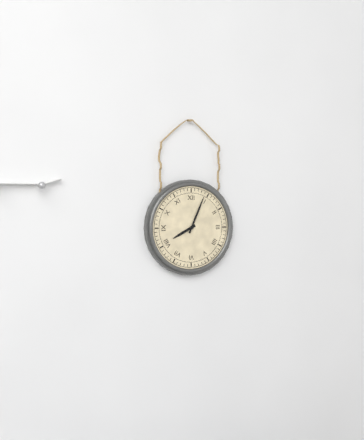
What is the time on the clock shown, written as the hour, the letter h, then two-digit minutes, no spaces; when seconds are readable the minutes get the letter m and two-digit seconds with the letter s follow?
8h04
